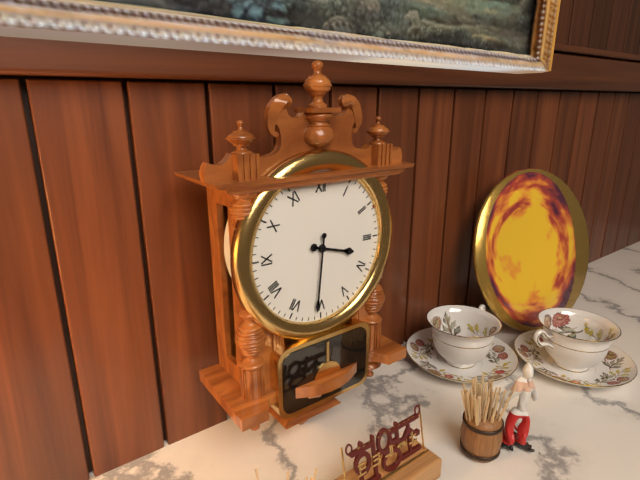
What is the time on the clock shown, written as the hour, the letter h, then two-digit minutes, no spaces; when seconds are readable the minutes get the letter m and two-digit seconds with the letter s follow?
3h31
